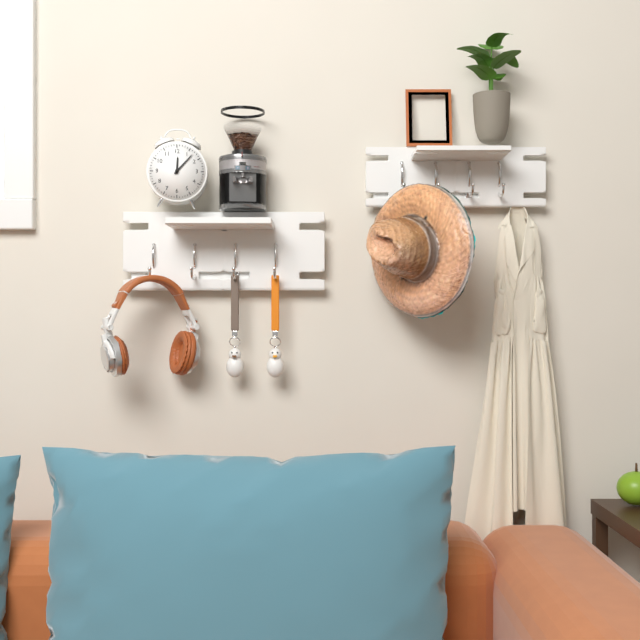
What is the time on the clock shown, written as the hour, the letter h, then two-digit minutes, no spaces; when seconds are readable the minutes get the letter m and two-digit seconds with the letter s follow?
12h07
